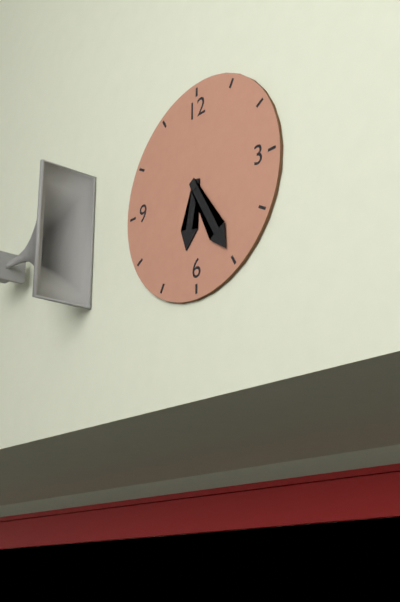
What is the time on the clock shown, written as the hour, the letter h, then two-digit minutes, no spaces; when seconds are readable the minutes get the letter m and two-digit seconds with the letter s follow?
6h25
